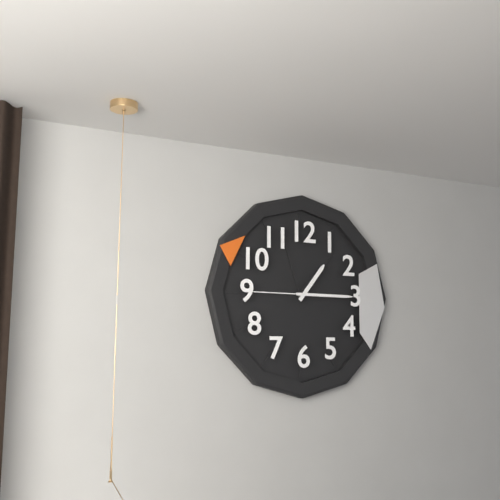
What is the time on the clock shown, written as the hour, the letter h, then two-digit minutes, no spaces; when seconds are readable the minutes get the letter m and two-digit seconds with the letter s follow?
1h15m45s
